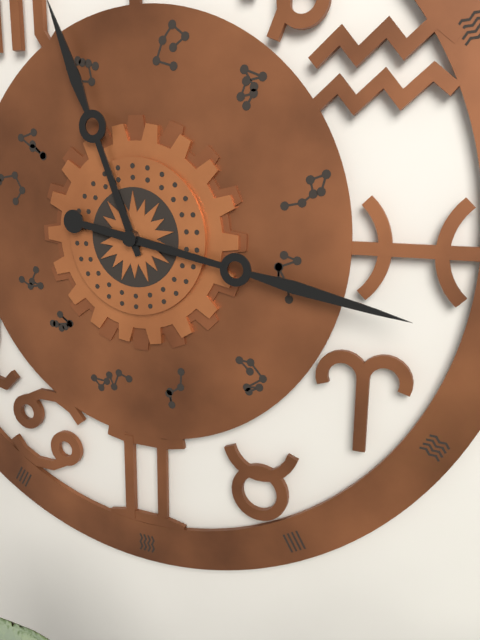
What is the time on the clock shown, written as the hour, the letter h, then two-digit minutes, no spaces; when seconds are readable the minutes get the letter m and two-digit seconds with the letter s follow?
11h17
